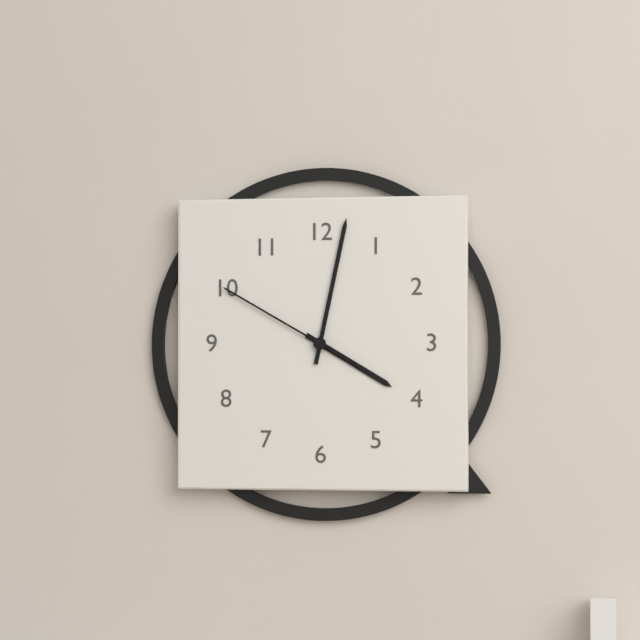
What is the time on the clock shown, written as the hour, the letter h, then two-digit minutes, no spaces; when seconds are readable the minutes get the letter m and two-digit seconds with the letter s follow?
4h02m50s
